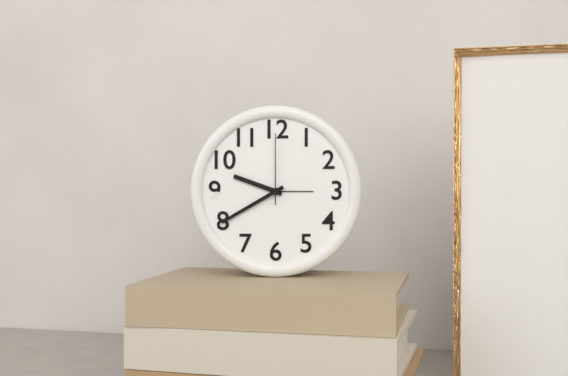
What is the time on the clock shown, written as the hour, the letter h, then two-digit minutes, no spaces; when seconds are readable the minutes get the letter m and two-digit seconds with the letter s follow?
9h40m00s
